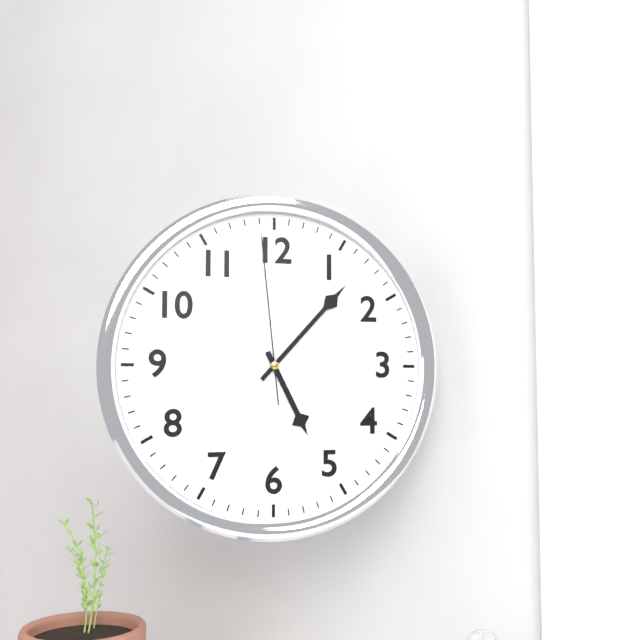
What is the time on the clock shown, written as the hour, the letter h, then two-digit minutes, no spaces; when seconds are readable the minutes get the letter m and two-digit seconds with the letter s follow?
5h07m59s
